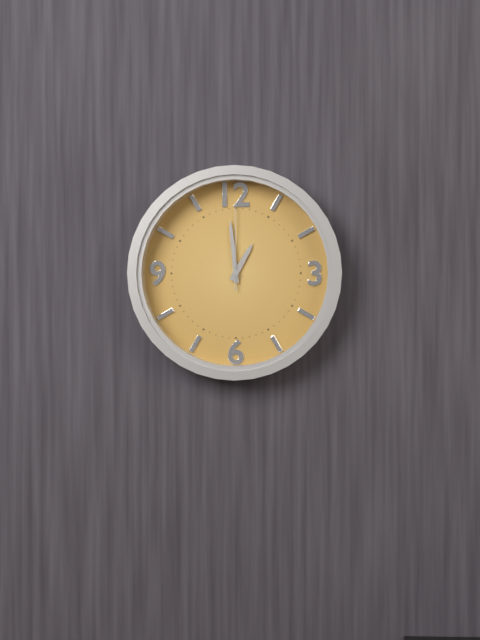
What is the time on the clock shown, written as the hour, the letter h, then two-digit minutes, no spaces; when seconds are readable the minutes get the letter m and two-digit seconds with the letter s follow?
12h59m00s
